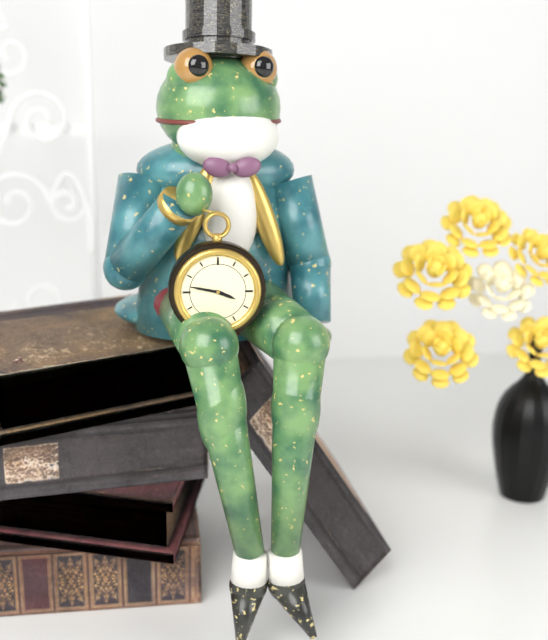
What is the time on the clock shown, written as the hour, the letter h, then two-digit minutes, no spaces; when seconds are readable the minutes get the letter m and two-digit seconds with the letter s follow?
3h47
